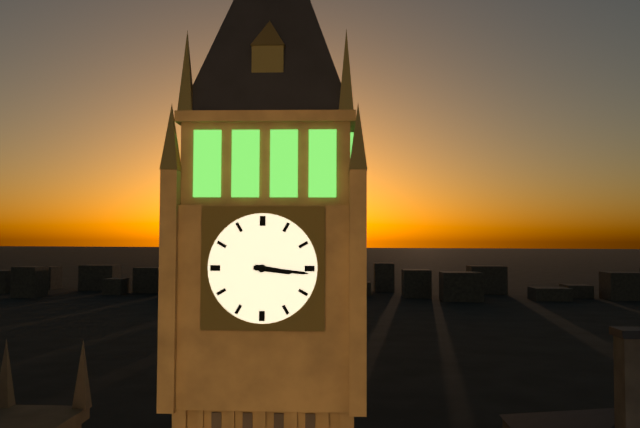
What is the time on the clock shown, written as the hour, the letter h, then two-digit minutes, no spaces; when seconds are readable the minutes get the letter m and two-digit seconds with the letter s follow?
3h16
